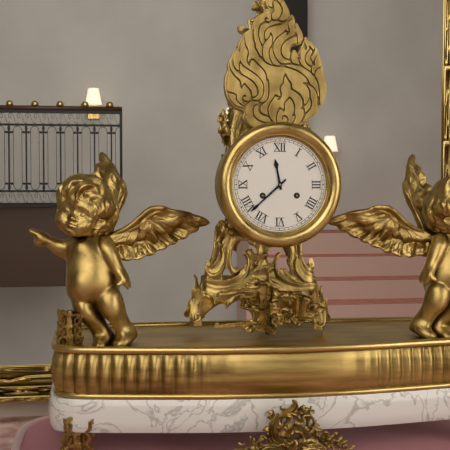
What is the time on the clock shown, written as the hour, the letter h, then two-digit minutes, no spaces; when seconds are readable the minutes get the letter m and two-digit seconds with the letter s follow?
11h38
